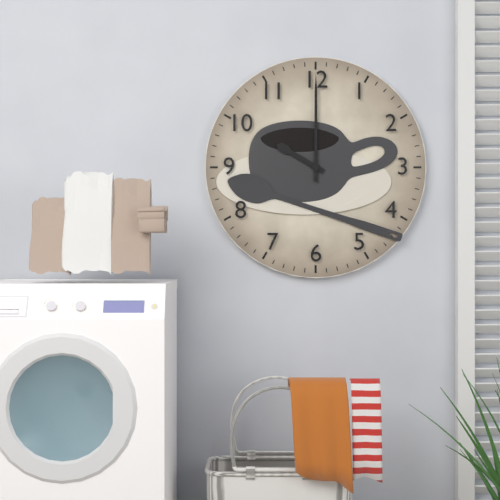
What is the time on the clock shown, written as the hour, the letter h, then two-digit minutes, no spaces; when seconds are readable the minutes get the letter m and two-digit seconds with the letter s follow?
10h00
